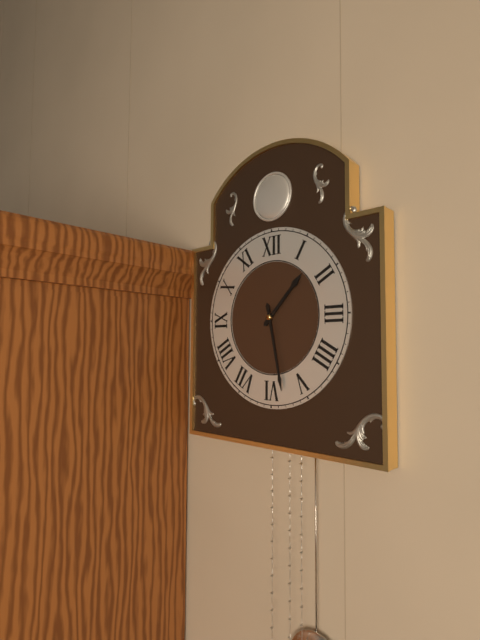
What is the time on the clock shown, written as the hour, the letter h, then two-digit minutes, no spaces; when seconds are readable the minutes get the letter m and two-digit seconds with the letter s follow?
1h28
